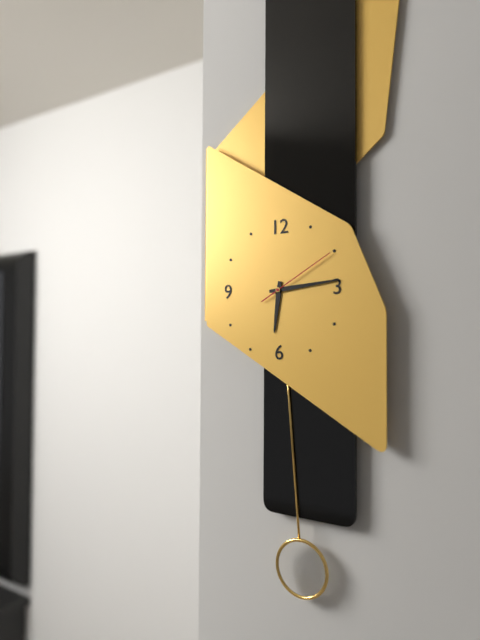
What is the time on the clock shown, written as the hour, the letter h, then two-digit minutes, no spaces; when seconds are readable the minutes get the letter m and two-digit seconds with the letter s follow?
6h14m10s
